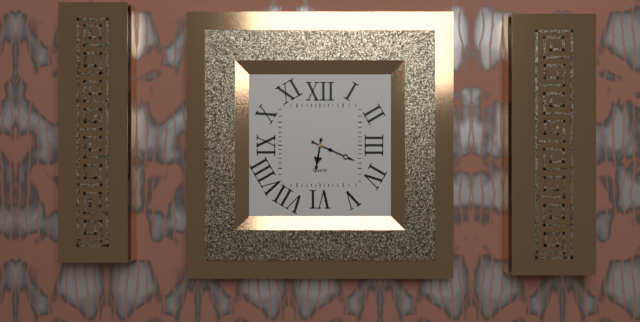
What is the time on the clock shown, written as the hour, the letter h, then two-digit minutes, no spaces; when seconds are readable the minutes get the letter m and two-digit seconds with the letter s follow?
6h19
